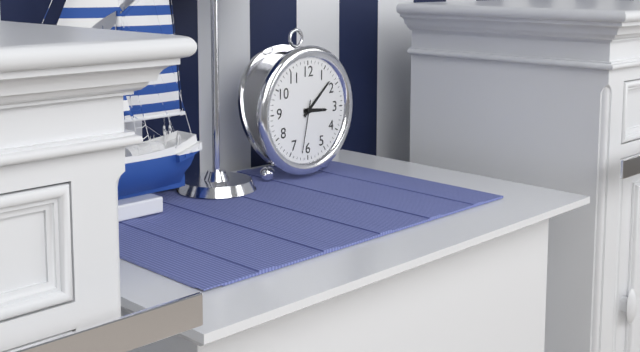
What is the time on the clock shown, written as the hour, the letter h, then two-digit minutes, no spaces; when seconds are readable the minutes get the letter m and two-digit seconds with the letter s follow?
3h08m32s
